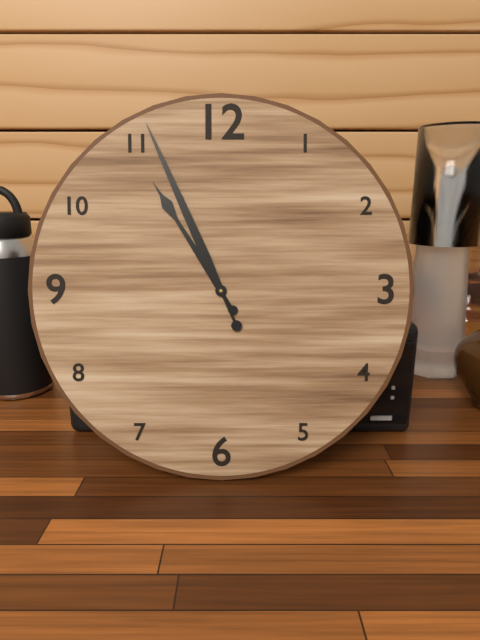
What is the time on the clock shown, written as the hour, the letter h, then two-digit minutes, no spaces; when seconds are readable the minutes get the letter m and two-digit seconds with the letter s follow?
10h56
